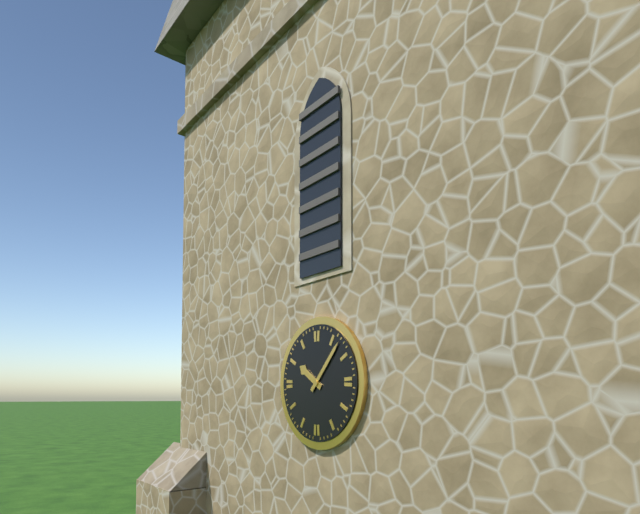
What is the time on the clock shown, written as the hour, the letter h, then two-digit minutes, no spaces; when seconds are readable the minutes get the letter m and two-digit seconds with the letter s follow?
10h07
